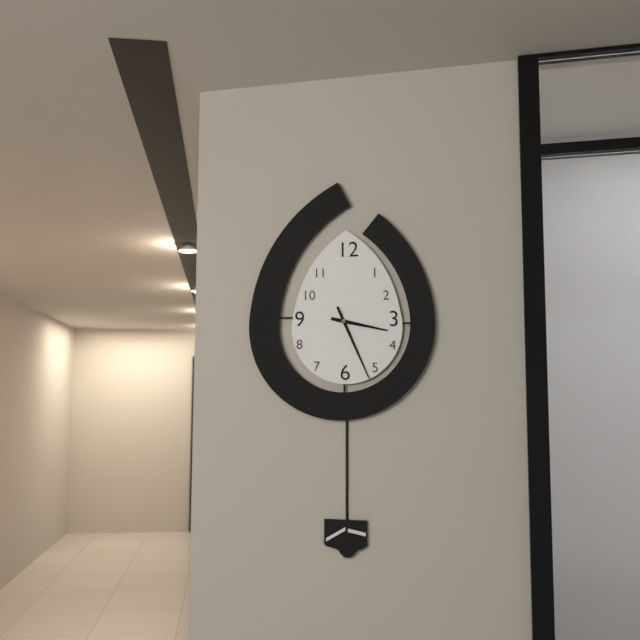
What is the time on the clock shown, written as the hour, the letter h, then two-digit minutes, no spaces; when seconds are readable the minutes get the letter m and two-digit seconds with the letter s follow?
3h26
